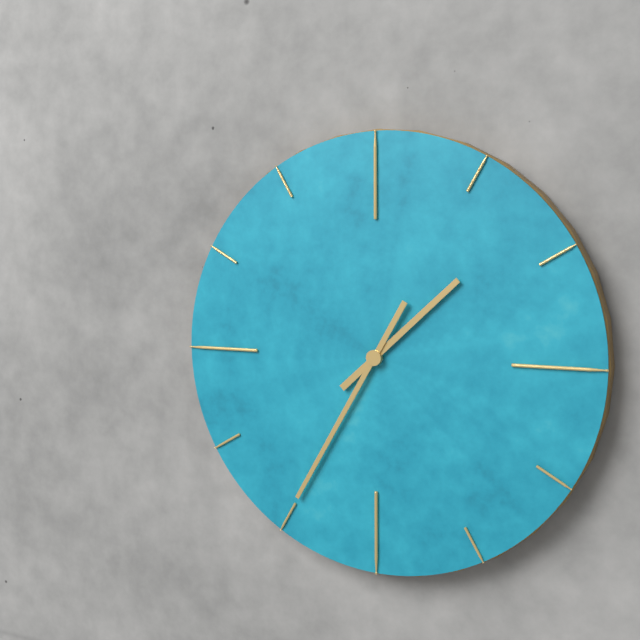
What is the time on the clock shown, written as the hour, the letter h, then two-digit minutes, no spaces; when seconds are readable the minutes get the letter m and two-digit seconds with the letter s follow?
1h35
